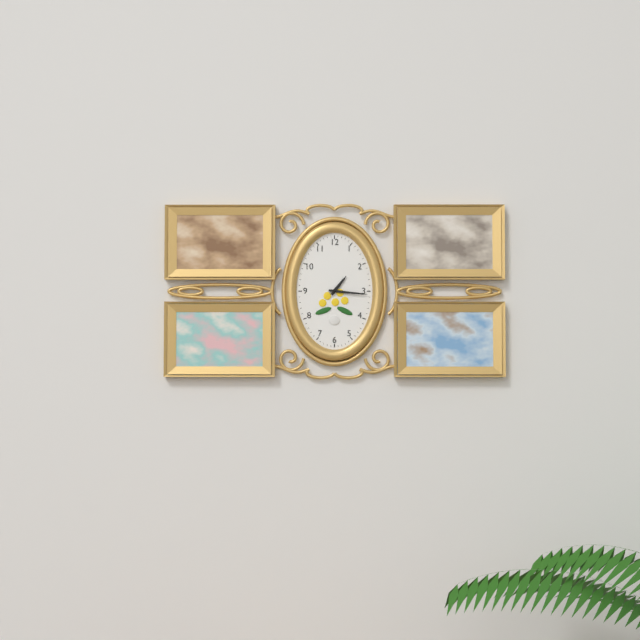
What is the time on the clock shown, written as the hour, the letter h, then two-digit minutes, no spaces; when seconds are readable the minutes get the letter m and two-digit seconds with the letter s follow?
1h16
